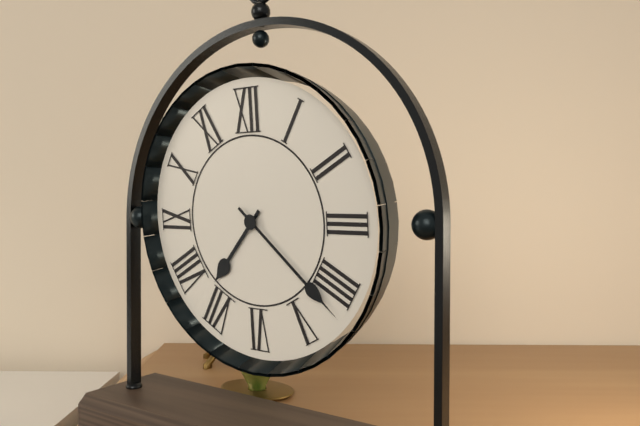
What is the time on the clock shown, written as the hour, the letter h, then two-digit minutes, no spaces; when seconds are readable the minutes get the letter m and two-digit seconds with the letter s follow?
7h22
